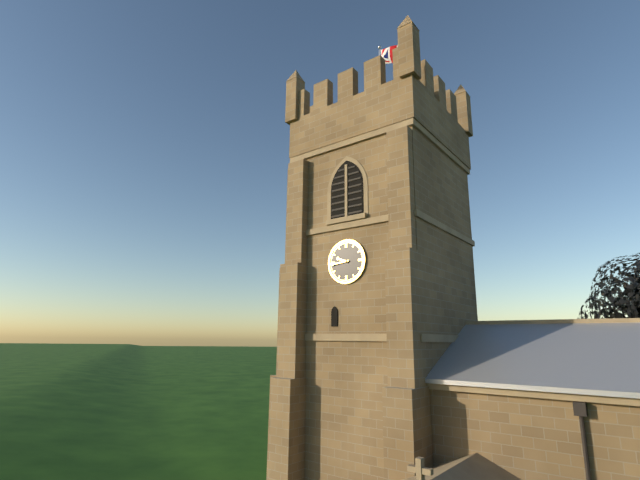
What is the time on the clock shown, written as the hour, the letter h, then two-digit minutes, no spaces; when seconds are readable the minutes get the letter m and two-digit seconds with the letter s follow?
9h44
